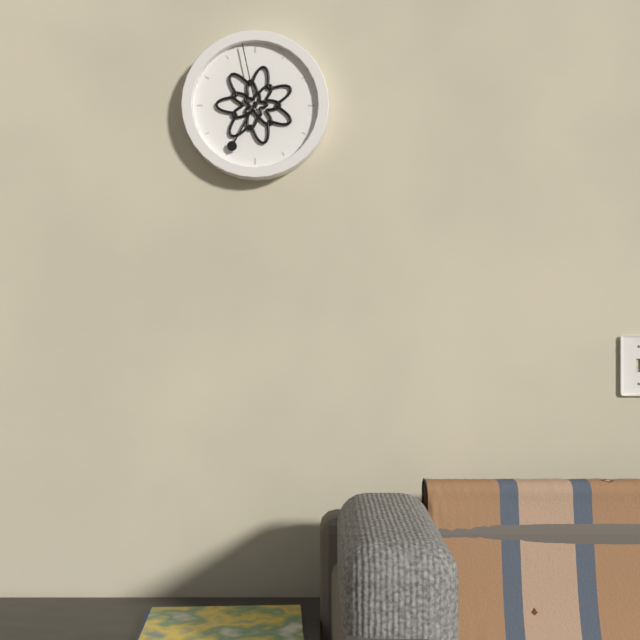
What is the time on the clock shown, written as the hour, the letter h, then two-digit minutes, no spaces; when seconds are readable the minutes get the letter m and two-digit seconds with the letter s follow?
6h58
